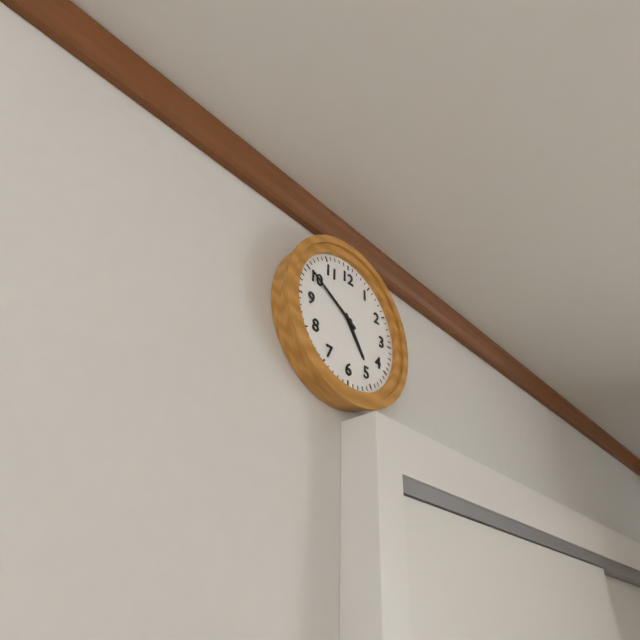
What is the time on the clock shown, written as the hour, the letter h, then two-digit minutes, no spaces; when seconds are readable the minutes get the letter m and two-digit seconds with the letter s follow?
4h50
